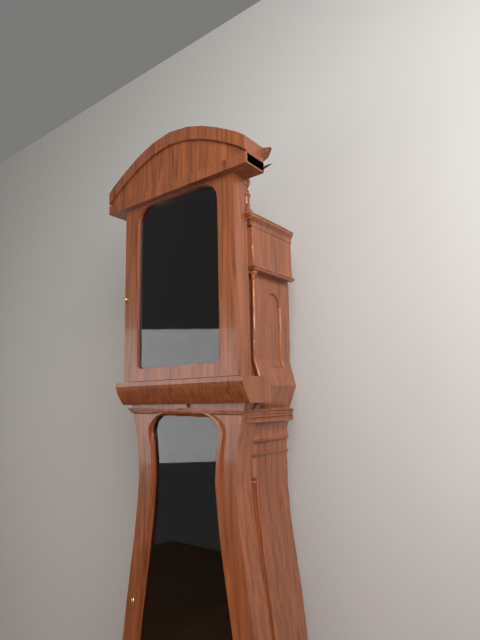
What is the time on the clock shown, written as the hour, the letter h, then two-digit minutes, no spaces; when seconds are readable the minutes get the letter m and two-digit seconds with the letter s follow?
8h20
